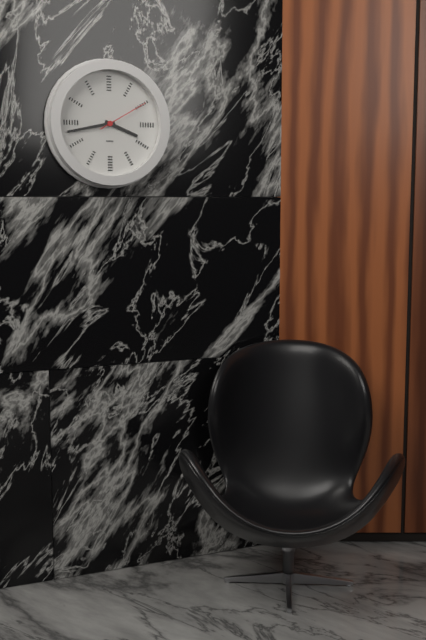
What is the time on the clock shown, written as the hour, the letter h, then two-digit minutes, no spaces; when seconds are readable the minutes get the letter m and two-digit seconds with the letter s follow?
3h43m10s
